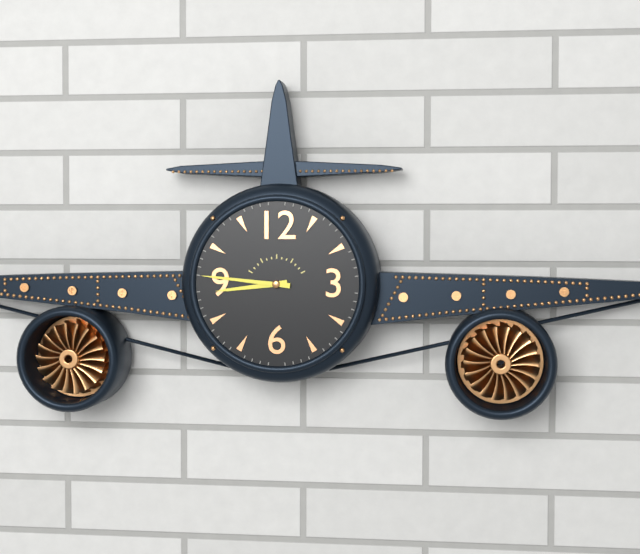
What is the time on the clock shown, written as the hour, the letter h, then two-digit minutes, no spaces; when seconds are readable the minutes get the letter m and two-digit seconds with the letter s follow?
8h46
